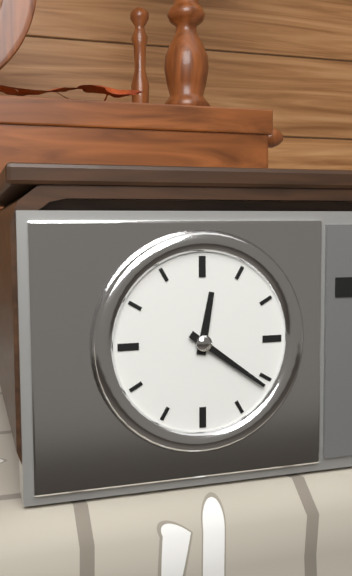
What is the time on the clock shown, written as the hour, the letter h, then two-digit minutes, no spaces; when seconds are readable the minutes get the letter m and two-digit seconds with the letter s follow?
12h21
